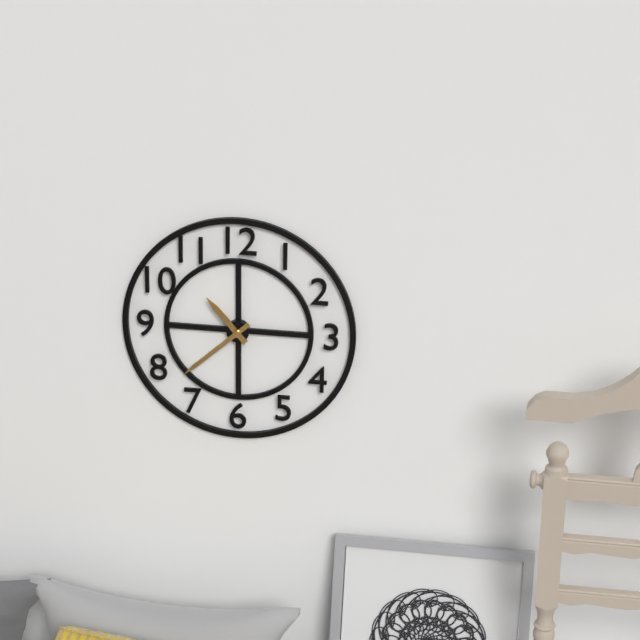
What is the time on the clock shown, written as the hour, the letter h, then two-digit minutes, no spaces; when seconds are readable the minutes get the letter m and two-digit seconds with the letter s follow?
10h38
